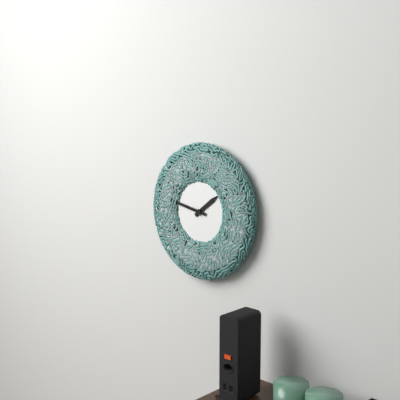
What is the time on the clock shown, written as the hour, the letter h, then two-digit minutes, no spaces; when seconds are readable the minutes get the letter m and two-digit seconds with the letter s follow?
1h47
